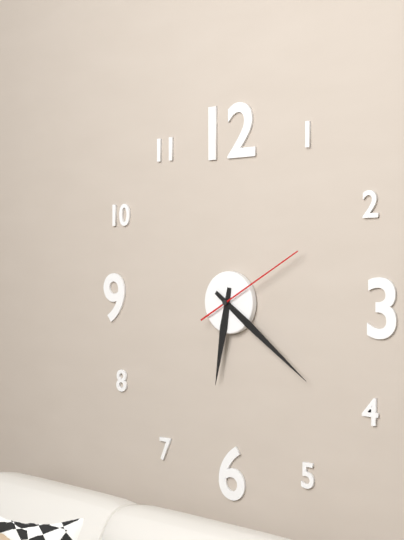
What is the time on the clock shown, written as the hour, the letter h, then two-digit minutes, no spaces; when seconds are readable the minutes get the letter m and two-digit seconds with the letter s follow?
6h21m10s
